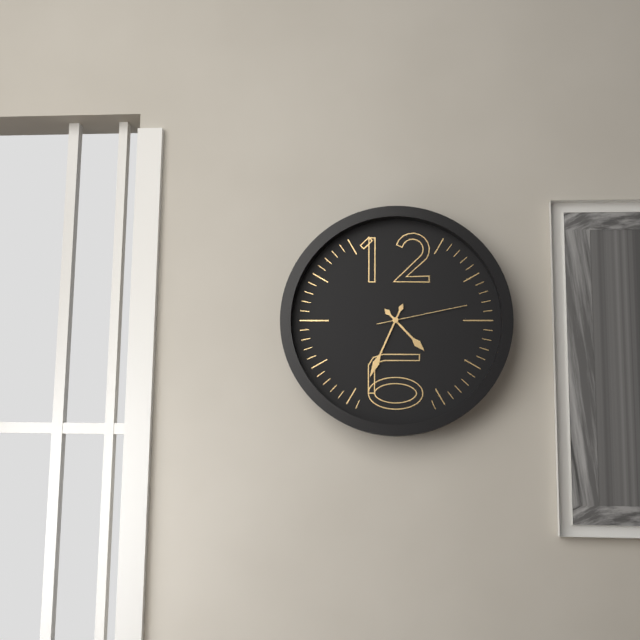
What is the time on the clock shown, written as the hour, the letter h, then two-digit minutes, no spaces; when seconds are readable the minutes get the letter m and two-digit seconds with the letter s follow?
4h34m13s
